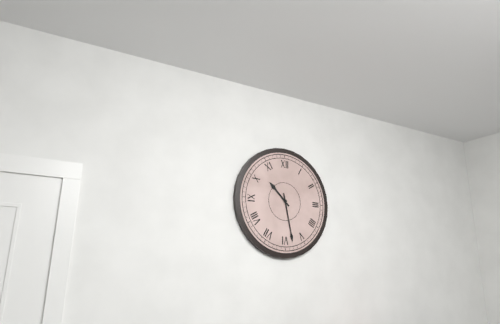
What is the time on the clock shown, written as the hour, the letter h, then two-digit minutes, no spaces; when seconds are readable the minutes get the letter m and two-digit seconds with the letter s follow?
10h28
